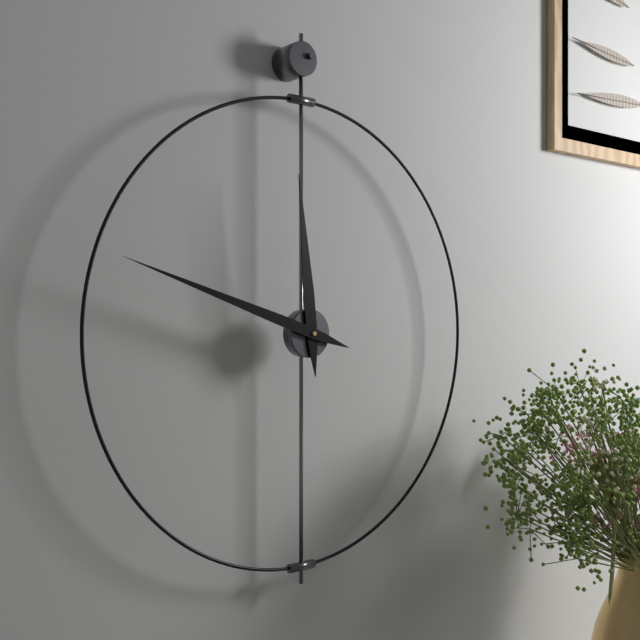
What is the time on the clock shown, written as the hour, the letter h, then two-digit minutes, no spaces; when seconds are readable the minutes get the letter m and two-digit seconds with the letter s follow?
11h48
